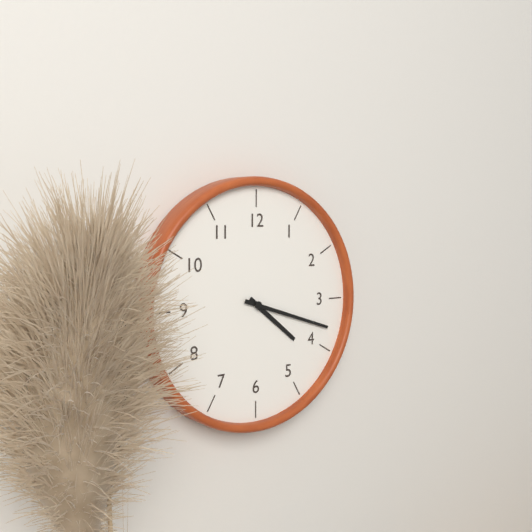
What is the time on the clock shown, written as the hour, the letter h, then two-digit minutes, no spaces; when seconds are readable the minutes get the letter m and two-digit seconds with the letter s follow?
4h18
